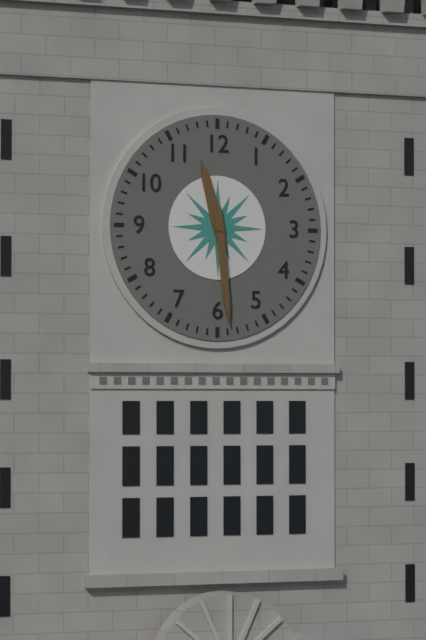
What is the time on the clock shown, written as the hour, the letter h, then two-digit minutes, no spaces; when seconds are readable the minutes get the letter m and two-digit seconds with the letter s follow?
11h29
